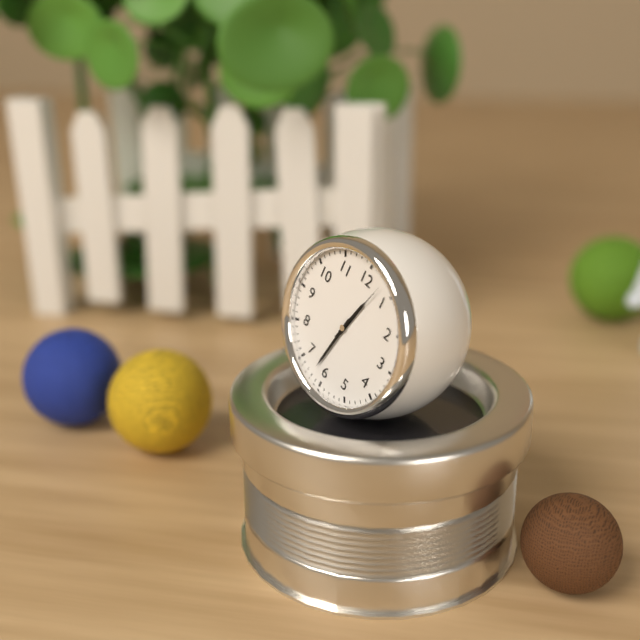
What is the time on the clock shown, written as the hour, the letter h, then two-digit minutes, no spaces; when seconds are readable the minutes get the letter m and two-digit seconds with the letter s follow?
12h32m03s
